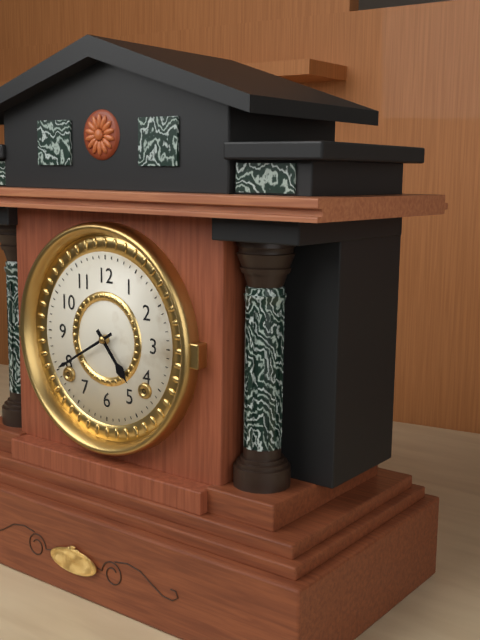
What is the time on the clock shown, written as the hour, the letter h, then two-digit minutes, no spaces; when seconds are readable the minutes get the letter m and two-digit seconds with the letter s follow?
4h40
